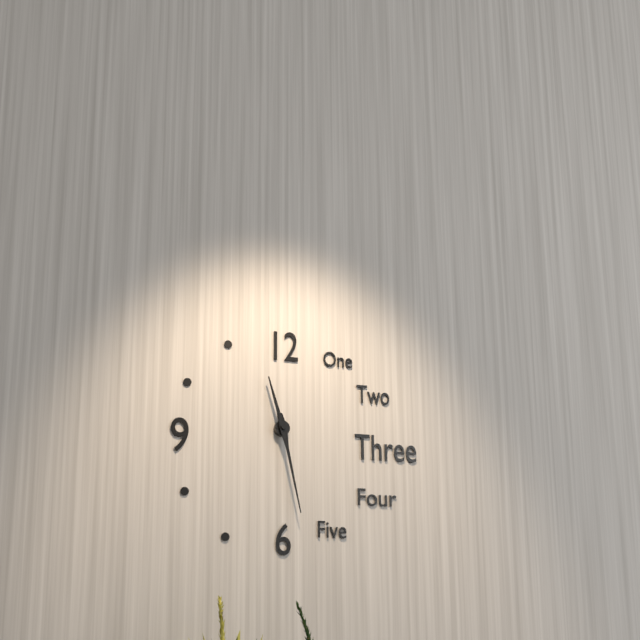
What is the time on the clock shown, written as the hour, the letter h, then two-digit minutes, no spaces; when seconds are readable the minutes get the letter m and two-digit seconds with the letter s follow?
11h28
